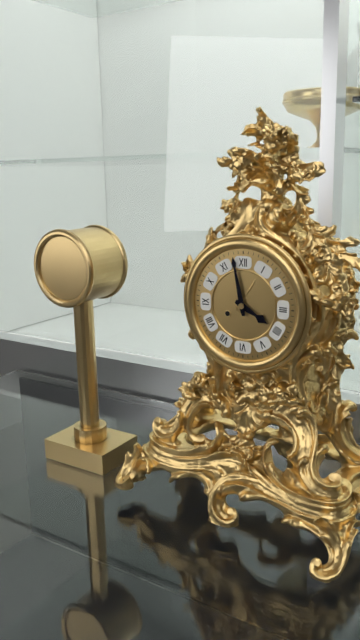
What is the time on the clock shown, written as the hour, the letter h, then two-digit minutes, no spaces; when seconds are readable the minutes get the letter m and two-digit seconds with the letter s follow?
3h58
